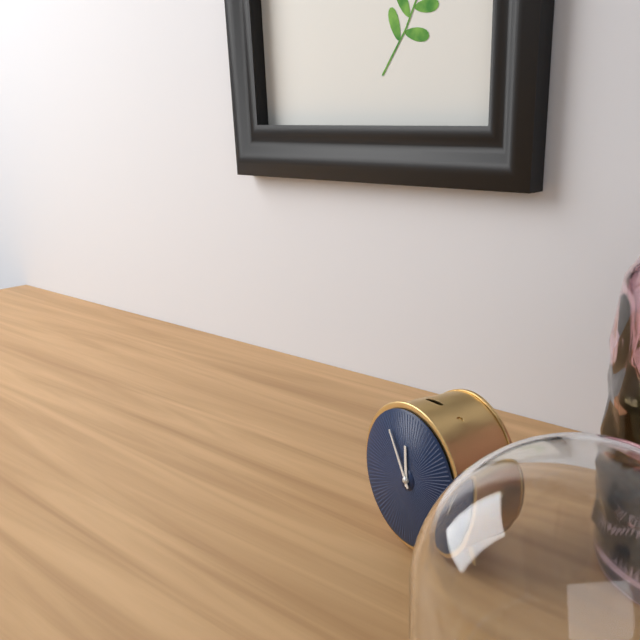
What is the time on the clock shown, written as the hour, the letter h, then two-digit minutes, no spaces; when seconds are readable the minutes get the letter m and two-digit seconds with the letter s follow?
11h55
